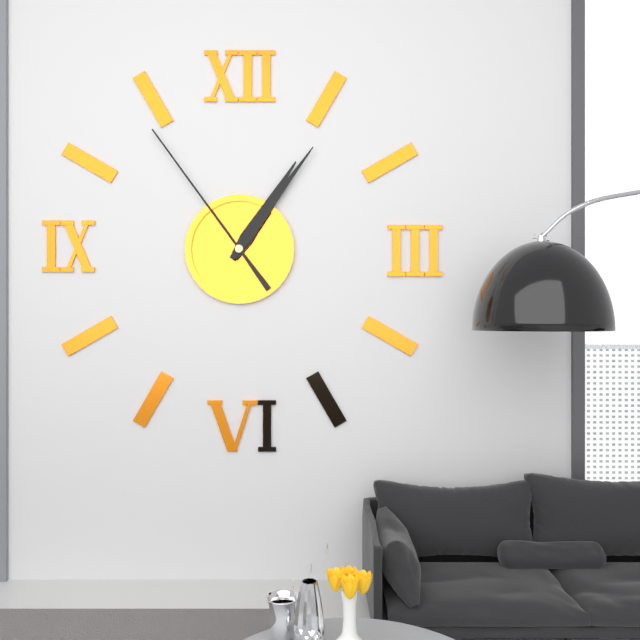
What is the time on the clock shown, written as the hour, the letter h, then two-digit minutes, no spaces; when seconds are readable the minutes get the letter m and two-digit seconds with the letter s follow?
1h06m54s
